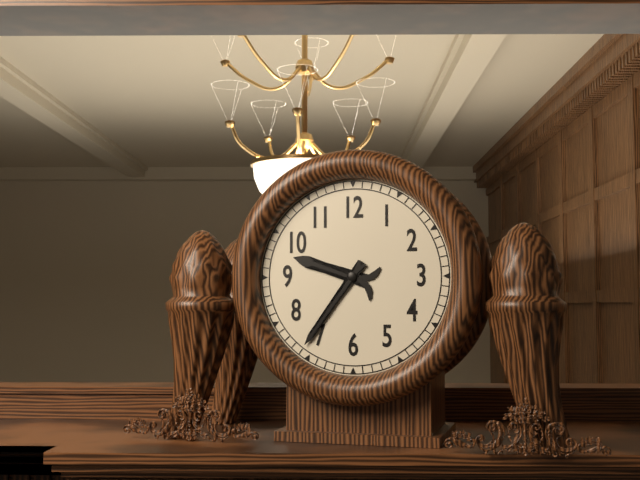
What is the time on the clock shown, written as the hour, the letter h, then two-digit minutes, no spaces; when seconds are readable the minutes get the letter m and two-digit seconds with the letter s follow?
9h36
